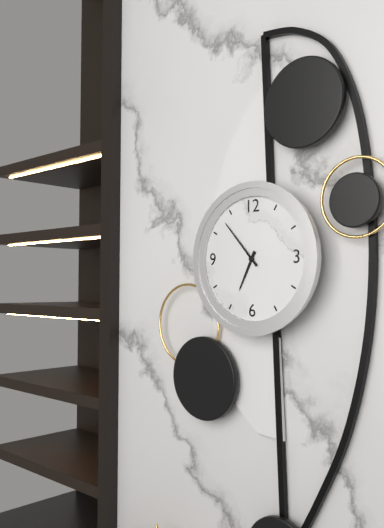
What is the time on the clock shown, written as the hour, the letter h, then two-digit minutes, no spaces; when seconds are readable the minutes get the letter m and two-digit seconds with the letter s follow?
6h53
